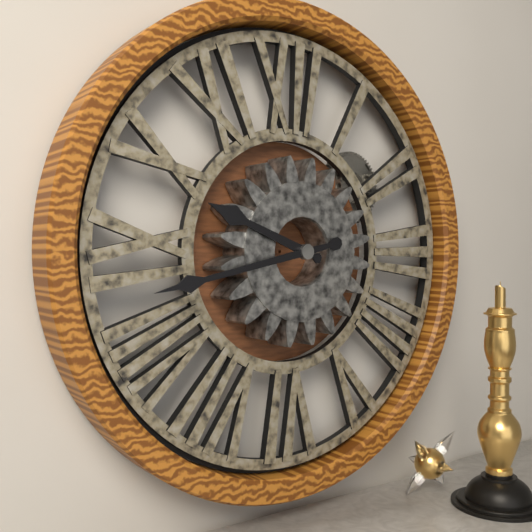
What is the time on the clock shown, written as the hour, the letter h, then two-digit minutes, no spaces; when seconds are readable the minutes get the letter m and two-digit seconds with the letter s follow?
9h43
